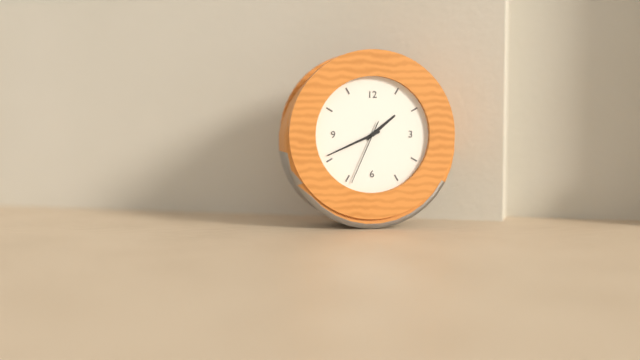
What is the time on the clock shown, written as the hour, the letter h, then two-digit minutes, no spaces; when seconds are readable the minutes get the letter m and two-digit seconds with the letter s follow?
1h41m34s
